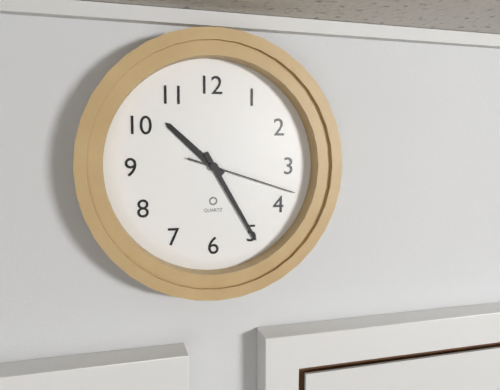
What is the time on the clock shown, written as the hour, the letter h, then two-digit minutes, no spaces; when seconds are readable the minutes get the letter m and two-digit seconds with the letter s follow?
10h25m18s
